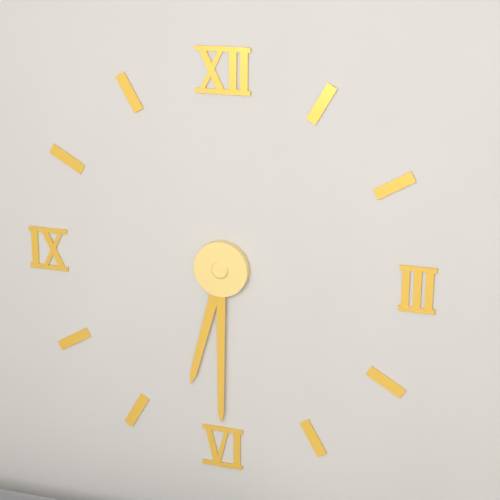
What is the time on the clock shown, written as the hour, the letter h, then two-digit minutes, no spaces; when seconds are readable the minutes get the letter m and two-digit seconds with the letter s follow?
6h30
